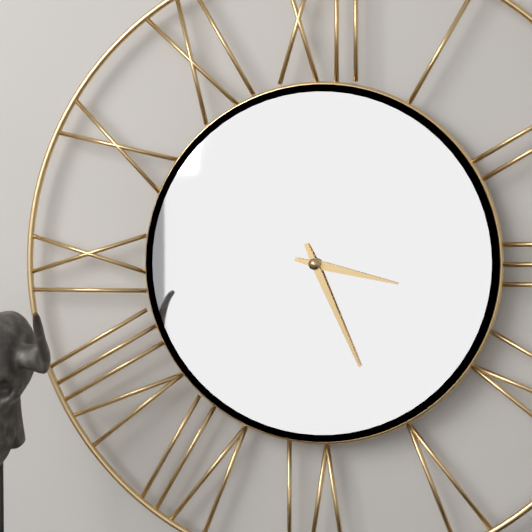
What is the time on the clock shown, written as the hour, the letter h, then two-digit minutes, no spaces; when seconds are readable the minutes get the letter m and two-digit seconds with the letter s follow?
3h26
